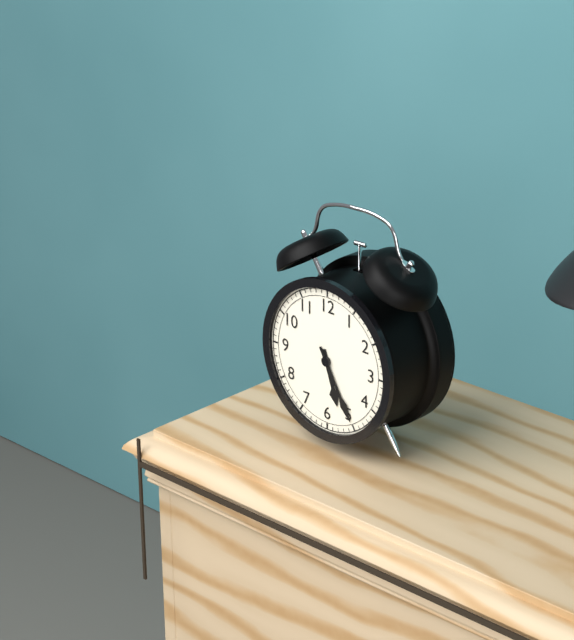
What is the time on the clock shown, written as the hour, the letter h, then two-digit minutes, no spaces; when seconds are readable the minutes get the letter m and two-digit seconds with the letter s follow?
5h25
